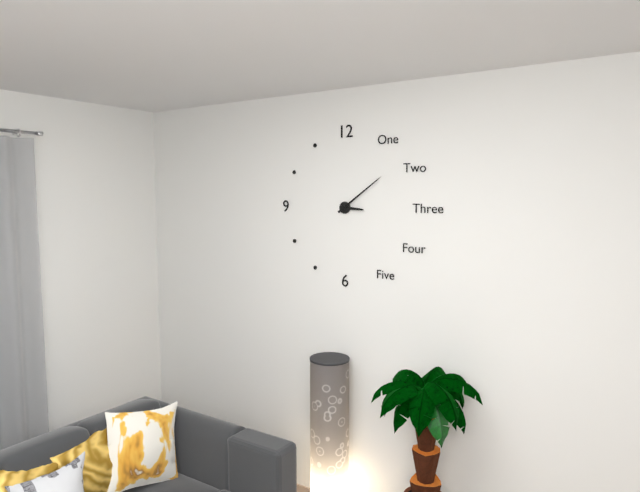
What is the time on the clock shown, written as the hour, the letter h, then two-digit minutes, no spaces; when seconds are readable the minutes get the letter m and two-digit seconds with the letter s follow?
3h09
